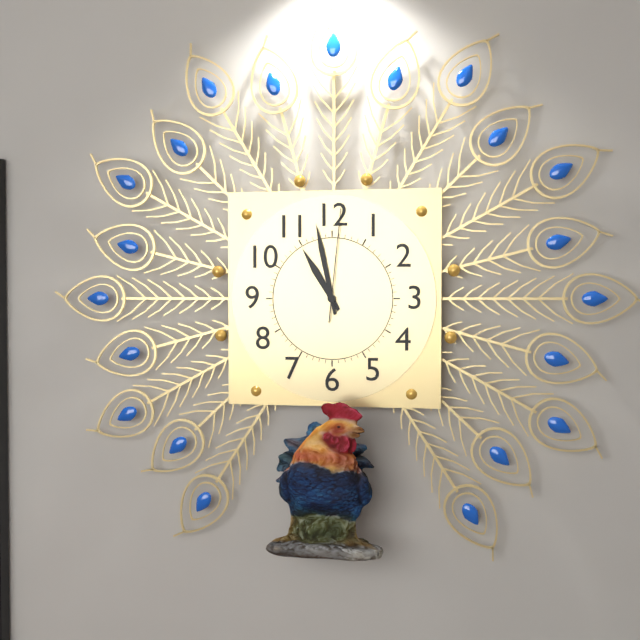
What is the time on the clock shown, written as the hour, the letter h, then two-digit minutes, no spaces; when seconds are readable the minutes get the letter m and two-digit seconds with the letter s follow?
10h58m01s
